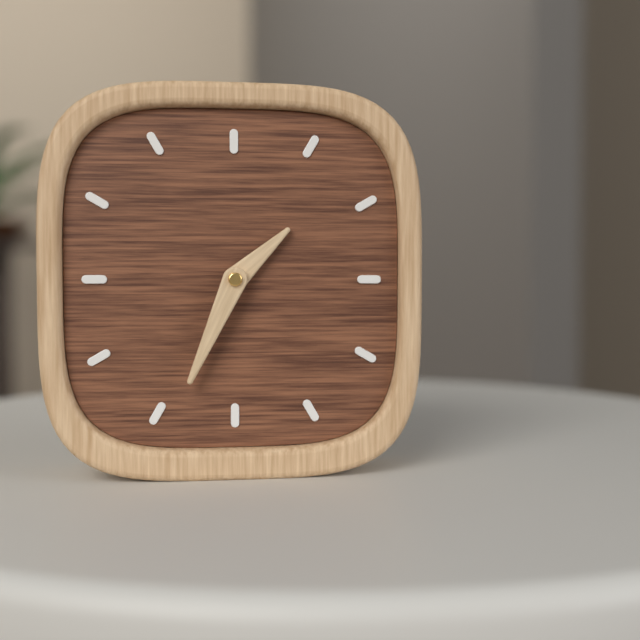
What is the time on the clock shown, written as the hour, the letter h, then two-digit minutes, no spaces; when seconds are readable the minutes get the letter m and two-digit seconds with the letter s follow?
1h34
